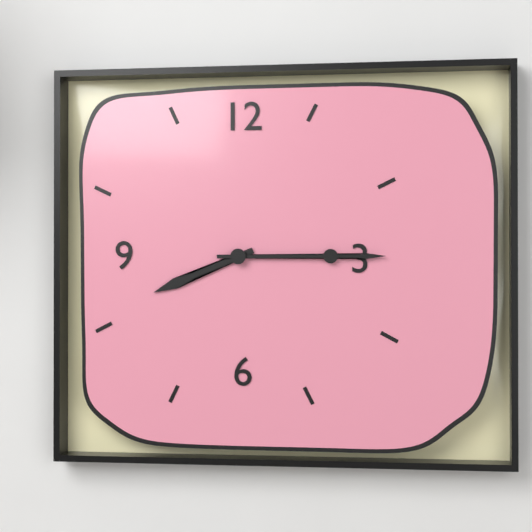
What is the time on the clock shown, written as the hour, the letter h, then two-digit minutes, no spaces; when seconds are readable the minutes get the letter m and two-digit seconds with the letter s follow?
8h15
